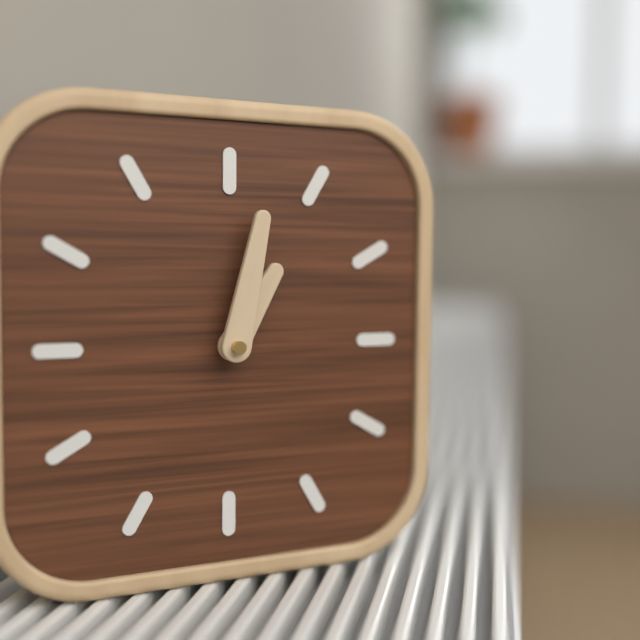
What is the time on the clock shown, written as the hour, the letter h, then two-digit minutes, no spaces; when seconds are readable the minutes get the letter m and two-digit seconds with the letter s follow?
1h02
